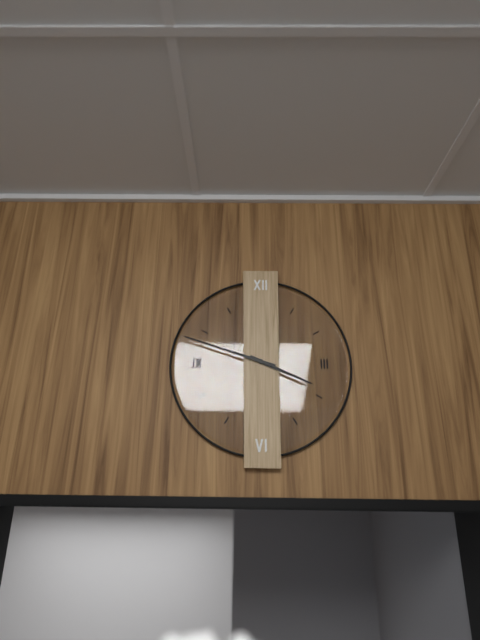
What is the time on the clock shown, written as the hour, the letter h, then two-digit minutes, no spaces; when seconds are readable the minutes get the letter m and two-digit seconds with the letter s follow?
3h48
